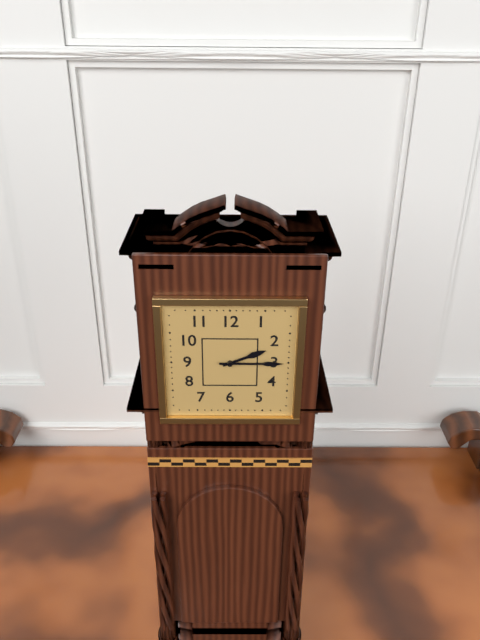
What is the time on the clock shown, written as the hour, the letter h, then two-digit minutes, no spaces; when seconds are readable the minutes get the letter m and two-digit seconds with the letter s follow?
2h15
